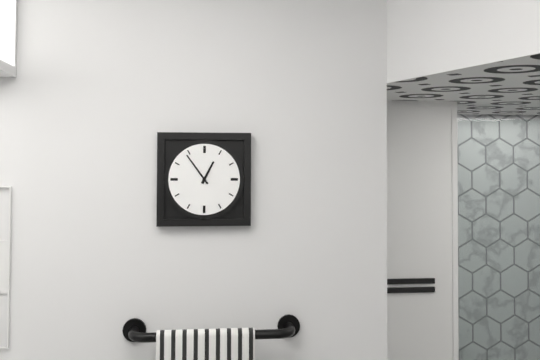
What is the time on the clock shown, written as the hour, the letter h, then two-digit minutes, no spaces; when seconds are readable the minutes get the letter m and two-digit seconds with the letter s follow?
12h54
